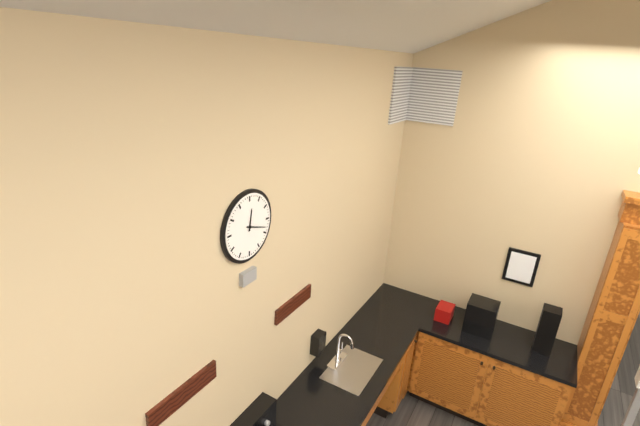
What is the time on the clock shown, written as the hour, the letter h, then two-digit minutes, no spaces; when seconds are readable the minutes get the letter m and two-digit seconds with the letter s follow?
12h18
